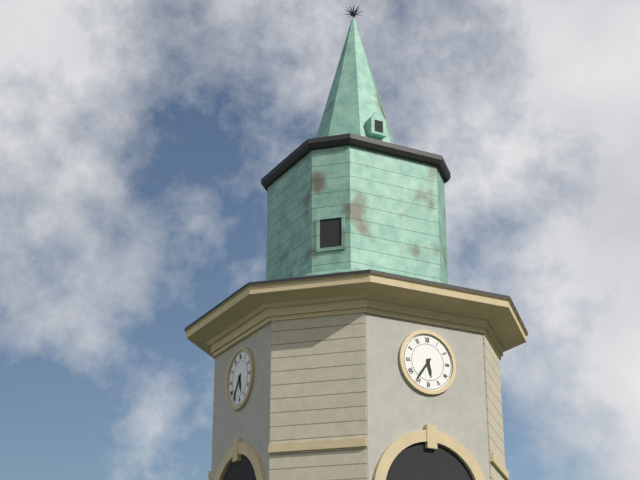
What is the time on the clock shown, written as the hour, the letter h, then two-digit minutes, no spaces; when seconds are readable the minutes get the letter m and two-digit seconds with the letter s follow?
5h36
